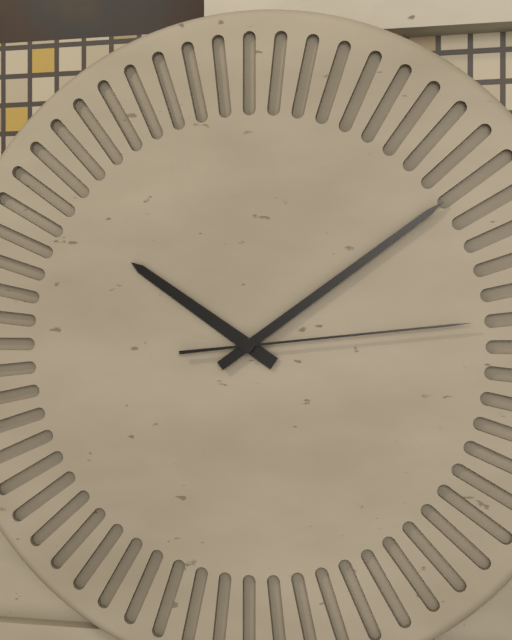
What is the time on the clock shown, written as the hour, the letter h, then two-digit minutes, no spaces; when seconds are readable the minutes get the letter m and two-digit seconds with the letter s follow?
10h09m14s
